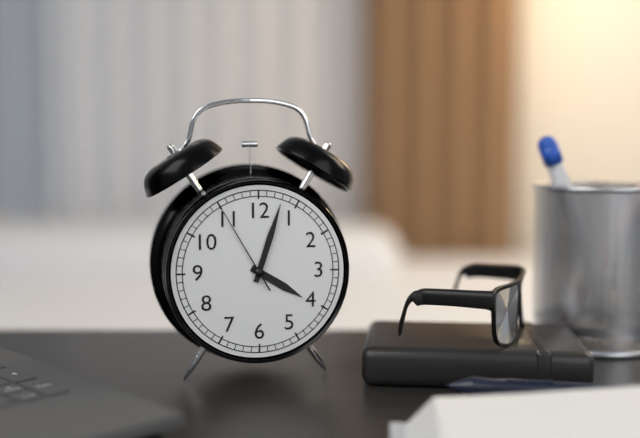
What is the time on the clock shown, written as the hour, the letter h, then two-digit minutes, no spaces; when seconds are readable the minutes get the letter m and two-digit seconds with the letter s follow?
4h03m55s
